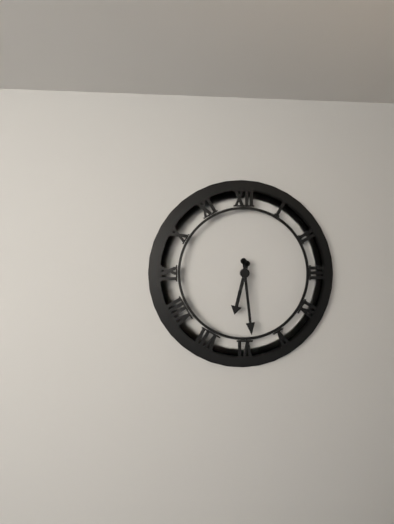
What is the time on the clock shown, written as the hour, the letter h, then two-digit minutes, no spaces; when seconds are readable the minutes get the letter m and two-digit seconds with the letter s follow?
6h29
